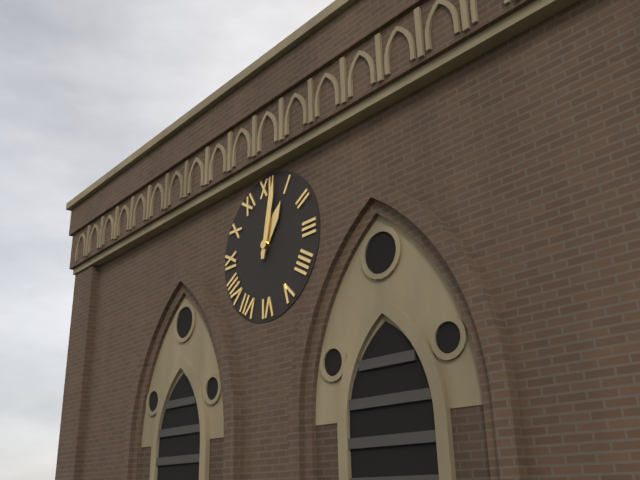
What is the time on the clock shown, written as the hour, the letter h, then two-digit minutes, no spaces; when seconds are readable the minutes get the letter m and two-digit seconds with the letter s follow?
1h02
